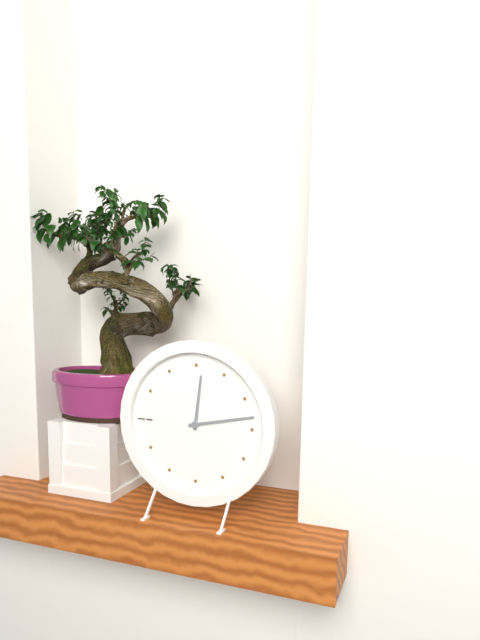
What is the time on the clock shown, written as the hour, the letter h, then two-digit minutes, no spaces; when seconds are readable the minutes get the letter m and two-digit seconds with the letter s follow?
12h13
